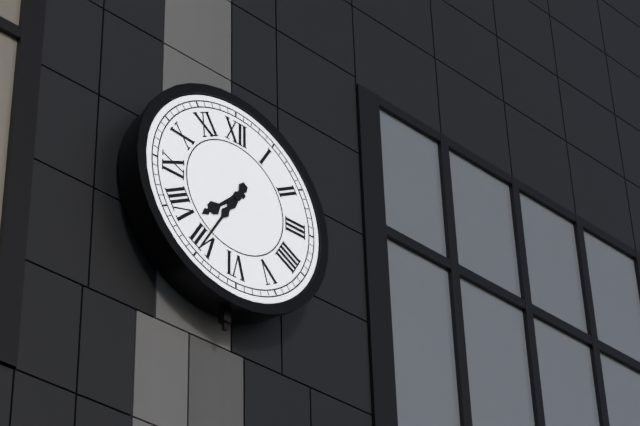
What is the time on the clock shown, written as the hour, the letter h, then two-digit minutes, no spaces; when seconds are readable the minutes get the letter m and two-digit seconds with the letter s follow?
7h35
